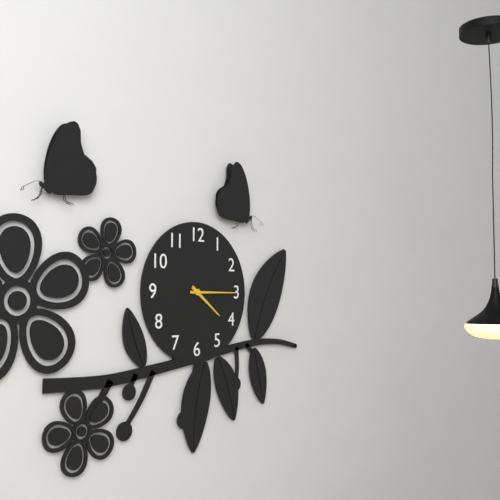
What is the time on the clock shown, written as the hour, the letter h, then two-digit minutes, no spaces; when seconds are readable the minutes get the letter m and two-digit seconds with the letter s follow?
4h15
